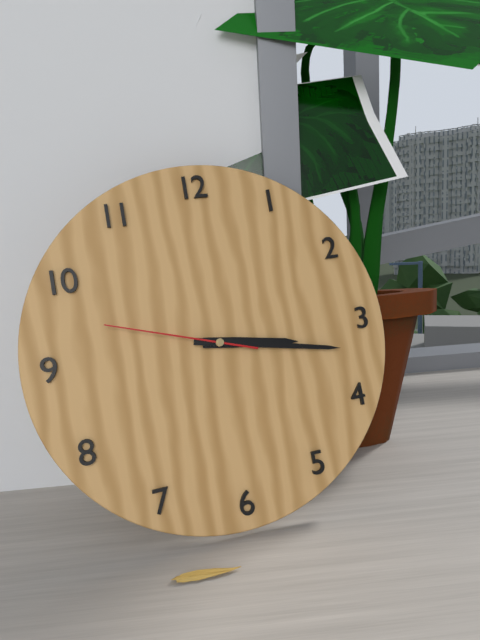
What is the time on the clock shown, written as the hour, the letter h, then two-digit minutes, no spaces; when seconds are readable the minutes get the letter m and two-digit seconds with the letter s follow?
3h17m48s
